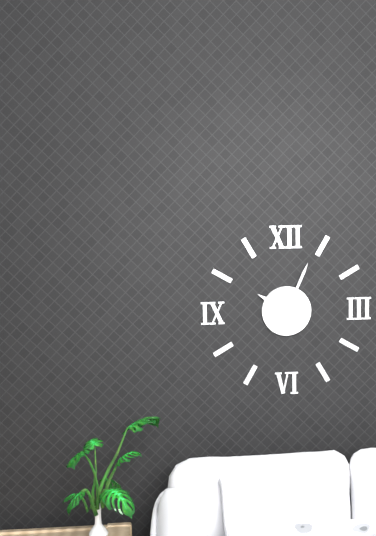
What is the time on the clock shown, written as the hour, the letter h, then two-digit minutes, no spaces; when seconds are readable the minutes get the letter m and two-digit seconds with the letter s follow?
10h04
